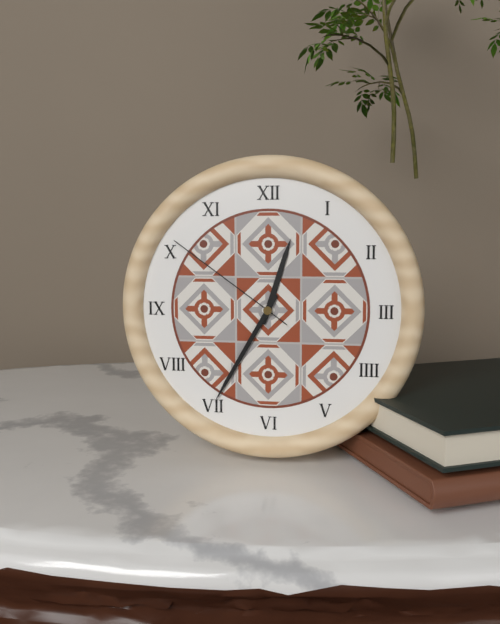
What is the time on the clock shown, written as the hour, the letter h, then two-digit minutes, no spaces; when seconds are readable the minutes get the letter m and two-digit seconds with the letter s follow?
12h35m51s
